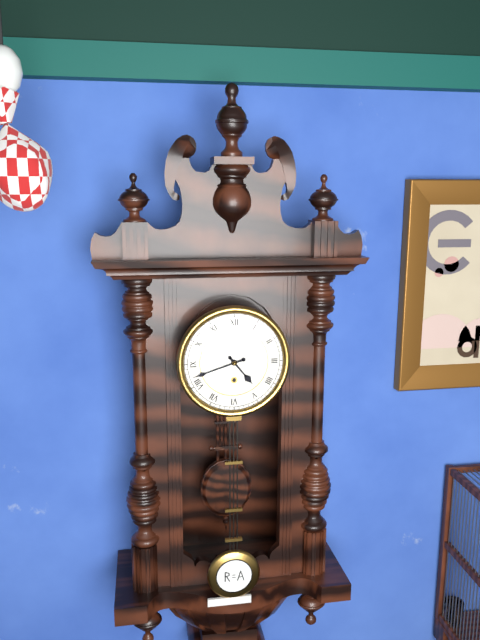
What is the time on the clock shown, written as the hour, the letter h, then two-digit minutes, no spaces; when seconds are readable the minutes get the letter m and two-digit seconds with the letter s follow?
4h42
